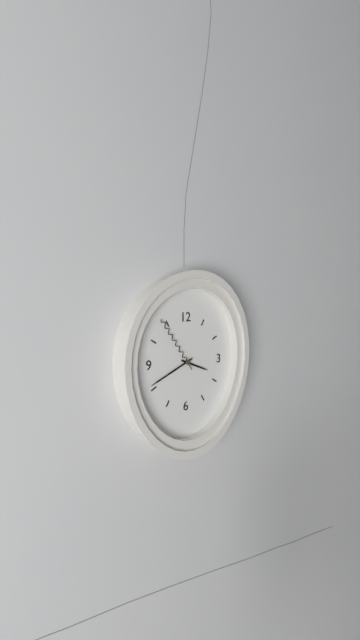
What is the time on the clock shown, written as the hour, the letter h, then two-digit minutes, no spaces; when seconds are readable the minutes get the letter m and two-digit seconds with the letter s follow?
3h41m54s
